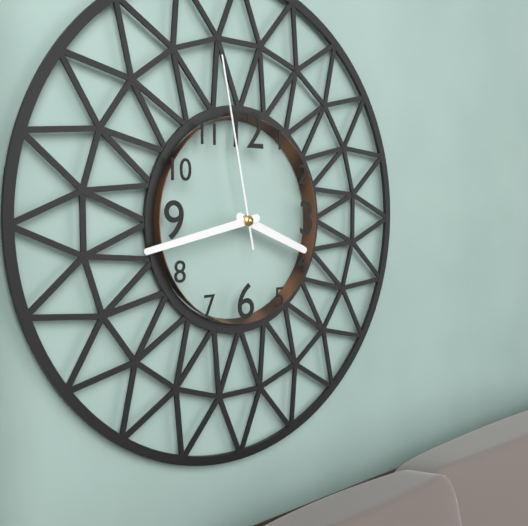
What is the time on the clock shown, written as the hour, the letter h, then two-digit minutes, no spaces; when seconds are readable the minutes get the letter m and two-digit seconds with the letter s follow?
3h43m58s
